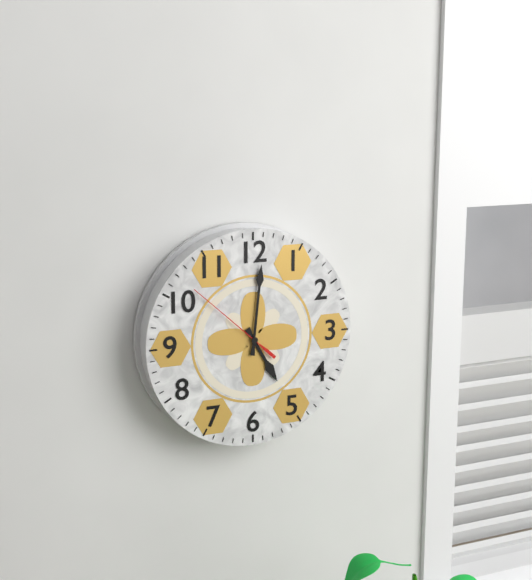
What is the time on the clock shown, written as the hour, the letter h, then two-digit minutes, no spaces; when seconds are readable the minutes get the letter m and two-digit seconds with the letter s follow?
5h01m52s
